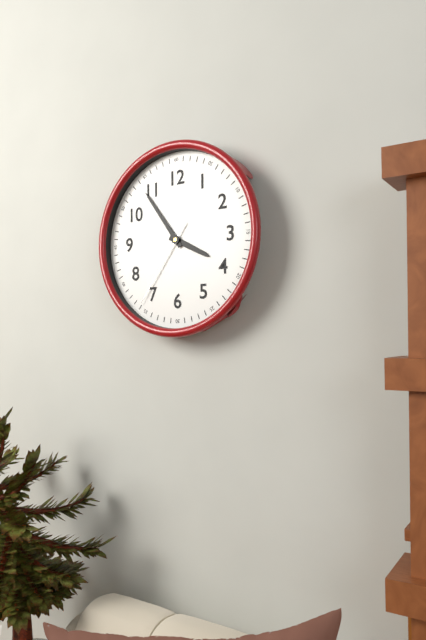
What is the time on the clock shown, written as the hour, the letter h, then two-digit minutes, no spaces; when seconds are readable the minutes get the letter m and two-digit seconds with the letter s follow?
3h54m36s
